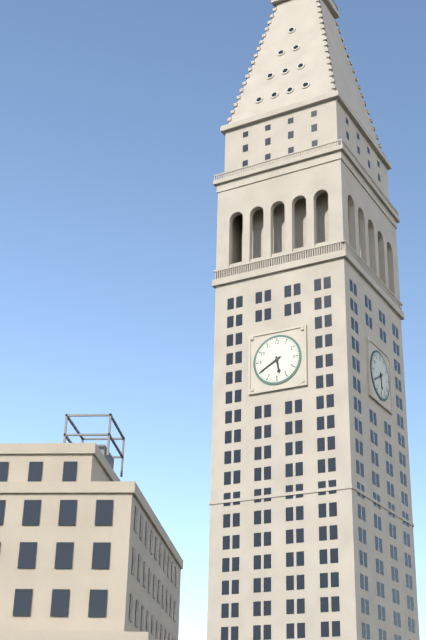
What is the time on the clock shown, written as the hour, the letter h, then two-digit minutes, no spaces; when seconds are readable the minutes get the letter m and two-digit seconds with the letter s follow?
5h40
